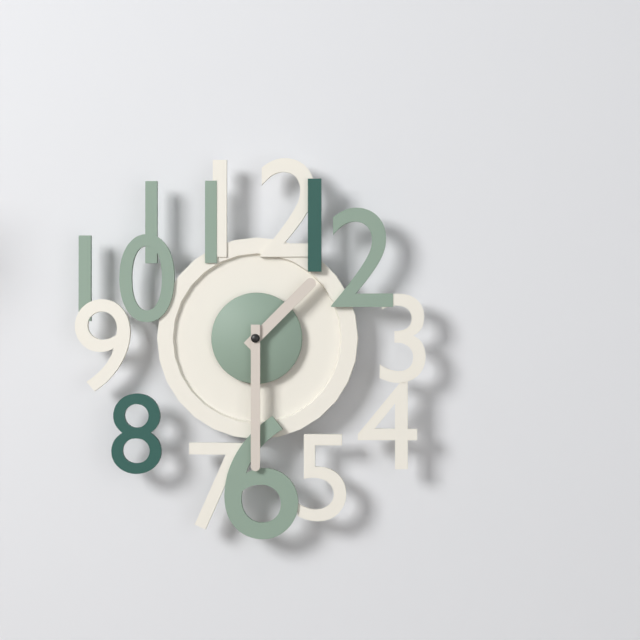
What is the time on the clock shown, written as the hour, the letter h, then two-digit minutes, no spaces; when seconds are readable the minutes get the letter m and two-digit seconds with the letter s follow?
1h30
